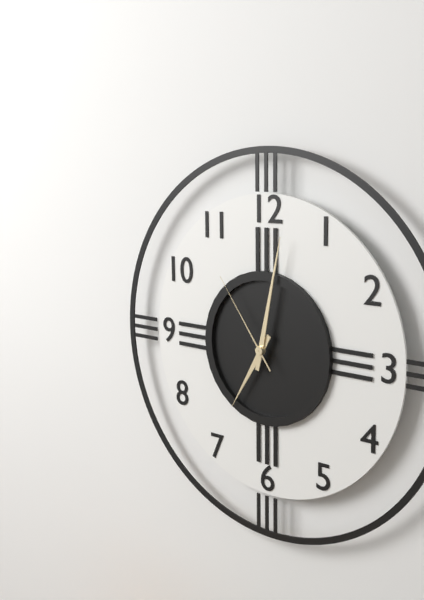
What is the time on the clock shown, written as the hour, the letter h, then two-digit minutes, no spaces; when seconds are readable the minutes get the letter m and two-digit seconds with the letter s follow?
7h02m54s
